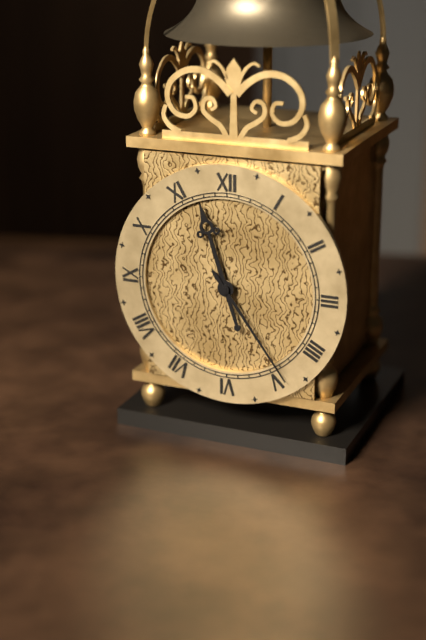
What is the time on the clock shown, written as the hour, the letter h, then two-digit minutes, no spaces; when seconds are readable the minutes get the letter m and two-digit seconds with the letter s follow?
11h24
